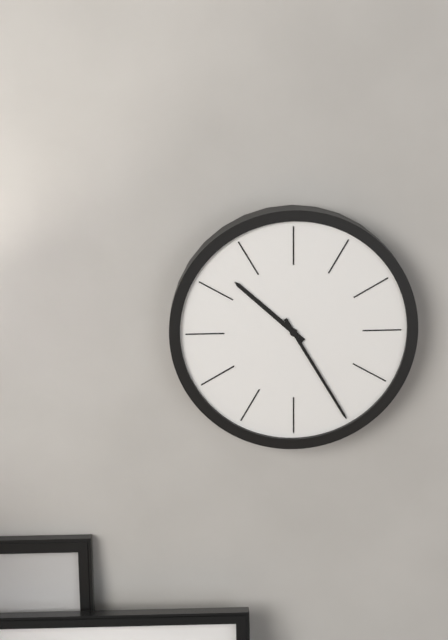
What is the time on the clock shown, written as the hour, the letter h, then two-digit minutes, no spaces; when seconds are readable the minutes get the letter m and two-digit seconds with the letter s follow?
10h25
